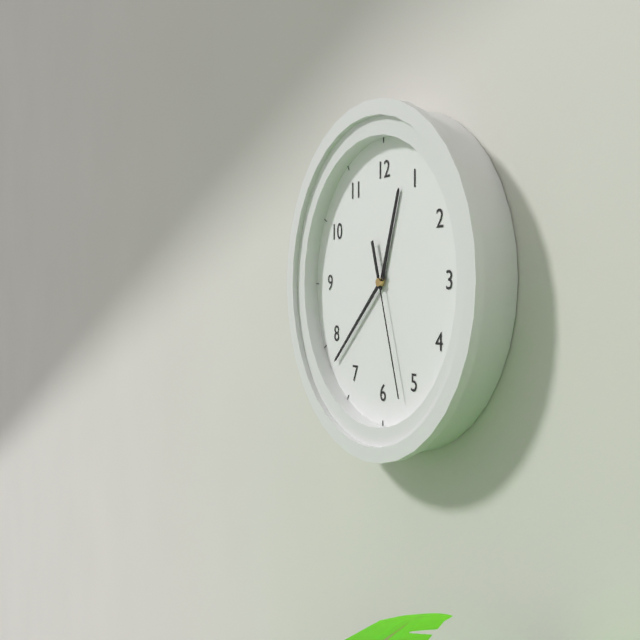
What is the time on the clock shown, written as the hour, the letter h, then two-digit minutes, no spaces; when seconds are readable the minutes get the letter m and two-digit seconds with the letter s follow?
12h38m27s
